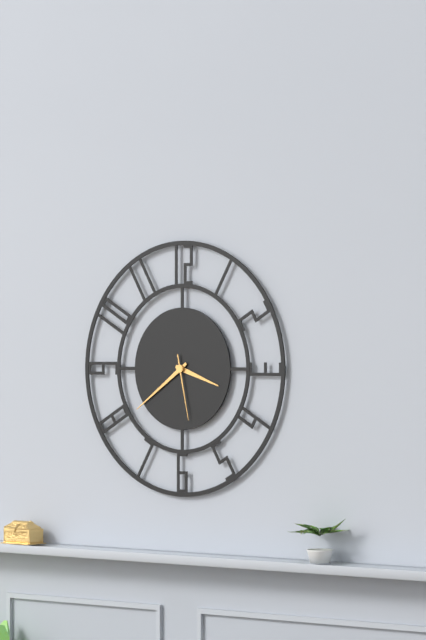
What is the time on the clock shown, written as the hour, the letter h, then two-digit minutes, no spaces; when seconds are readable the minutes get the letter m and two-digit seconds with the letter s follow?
3h39m28s
